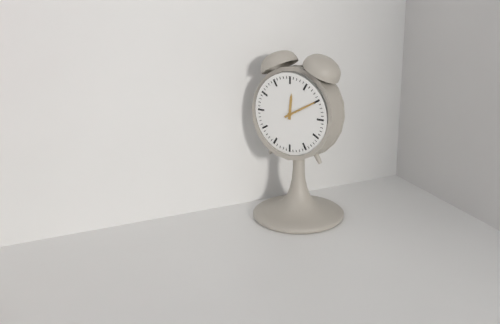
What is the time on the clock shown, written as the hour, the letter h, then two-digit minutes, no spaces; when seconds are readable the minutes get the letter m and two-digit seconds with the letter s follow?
12h10
